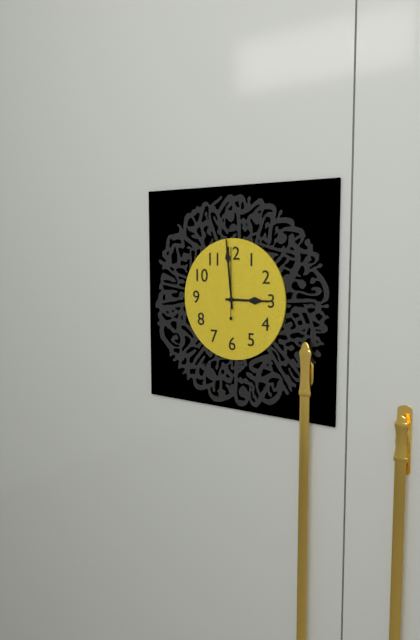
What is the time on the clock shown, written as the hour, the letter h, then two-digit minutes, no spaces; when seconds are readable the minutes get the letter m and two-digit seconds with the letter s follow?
2h59m00s
